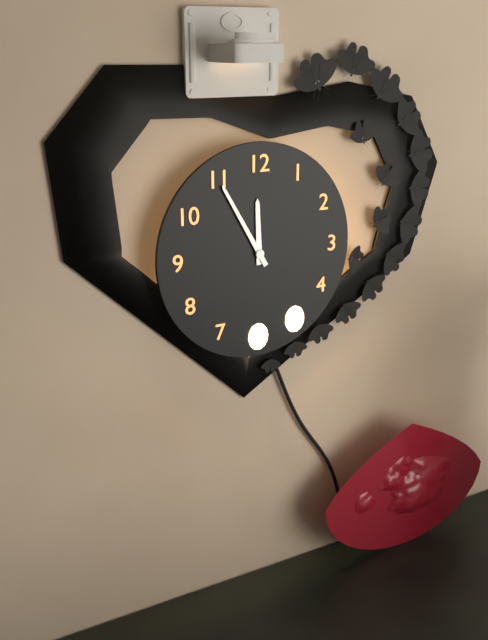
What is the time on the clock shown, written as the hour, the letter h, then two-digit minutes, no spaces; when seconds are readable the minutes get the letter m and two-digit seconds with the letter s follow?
11h55
